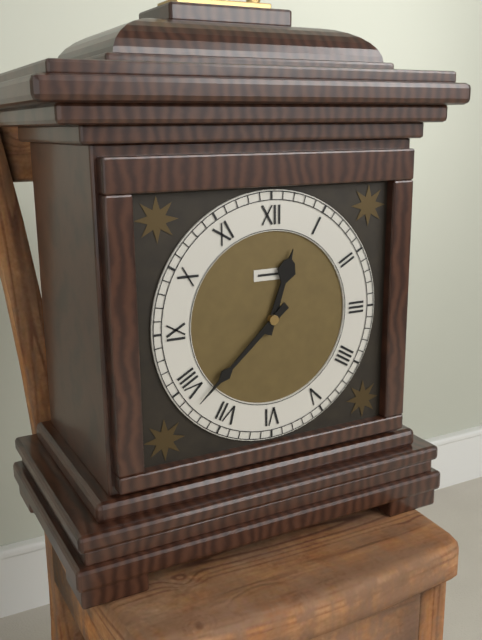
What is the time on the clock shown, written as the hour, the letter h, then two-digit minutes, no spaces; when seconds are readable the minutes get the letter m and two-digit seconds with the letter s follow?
12h38
